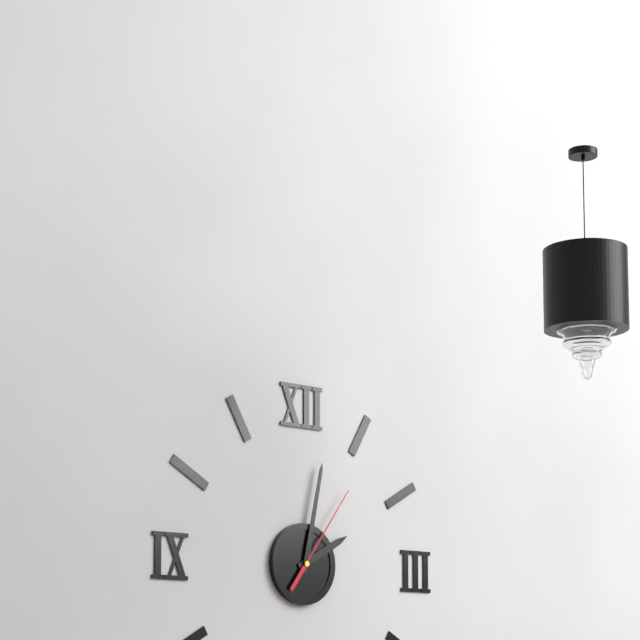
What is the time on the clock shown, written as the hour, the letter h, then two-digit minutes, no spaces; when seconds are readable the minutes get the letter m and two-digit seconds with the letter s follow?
2h02m06s
